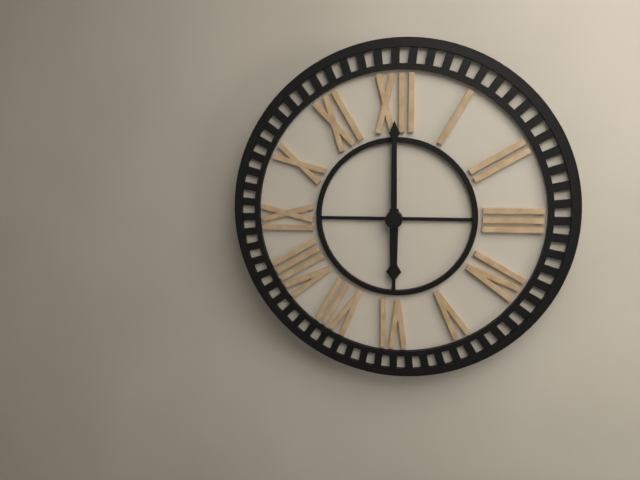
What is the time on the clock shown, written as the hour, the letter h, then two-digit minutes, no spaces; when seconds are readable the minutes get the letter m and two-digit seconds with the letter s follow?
6h00
